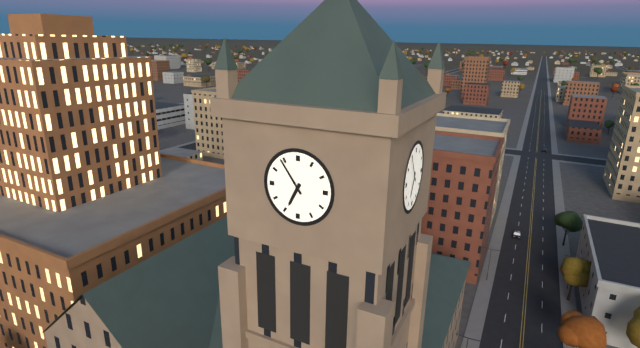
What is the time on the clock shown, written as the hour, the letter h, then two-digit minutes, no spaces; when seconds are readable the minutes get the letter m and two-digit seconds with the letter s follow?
6h54
